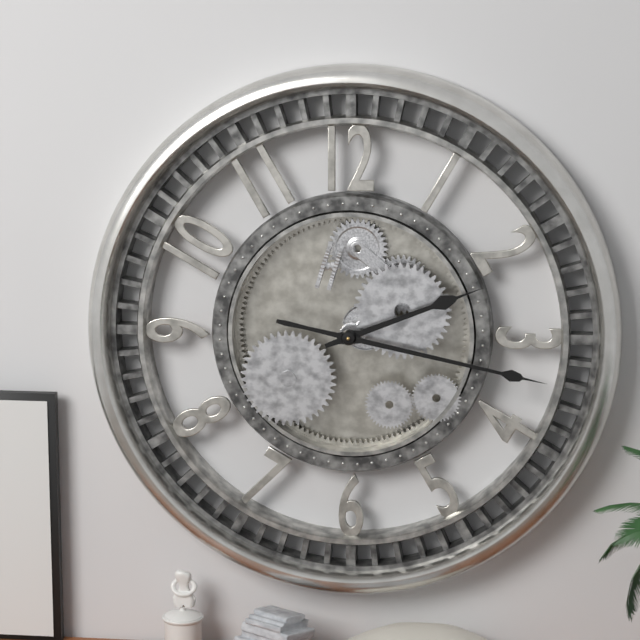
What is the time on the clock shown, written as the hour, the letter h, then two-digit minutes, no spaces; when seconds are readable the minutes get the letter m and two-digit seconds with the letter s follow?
2h17
